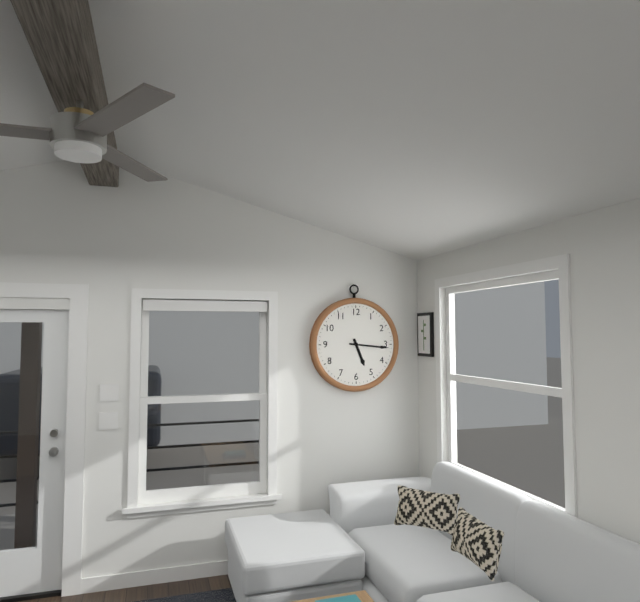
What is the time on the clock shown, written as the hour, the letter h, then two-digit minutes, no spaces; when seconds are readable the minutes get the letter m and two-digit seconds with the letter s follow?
5h16
